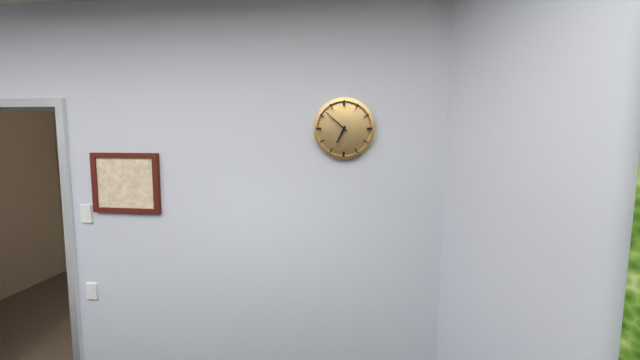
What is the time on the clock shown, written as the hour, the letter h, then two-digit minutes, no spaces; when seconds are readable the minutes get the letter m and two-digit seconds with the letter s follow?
6h52
